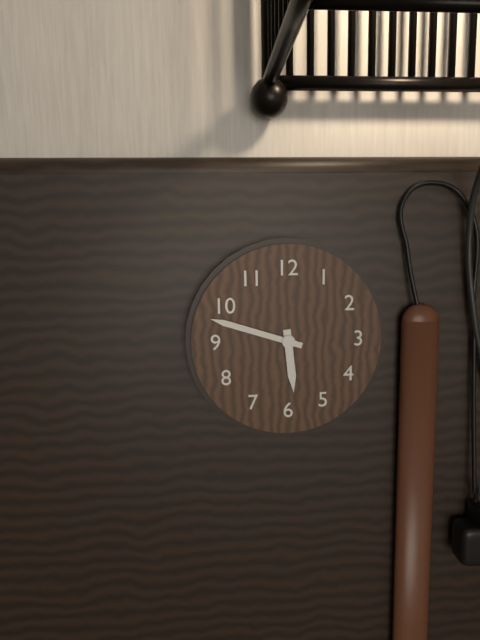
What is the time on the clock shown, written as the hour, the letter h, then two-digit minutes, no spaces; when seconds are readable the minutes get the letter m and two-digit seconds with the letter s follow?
5h48
